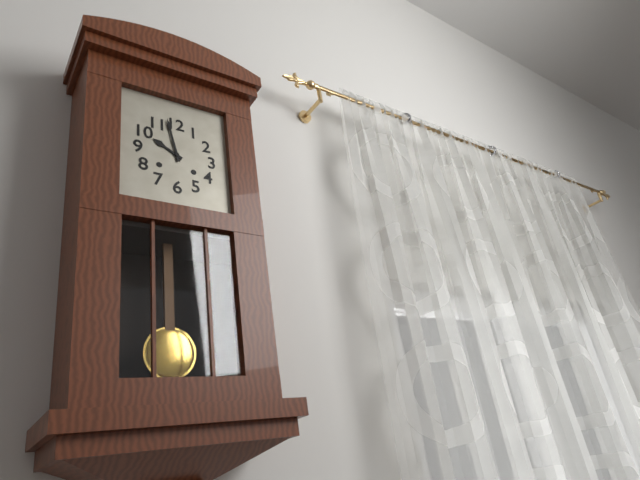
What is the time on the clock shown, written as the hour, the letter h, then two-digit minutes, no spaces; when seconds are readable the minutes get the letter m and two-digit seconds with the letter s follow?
9h58
